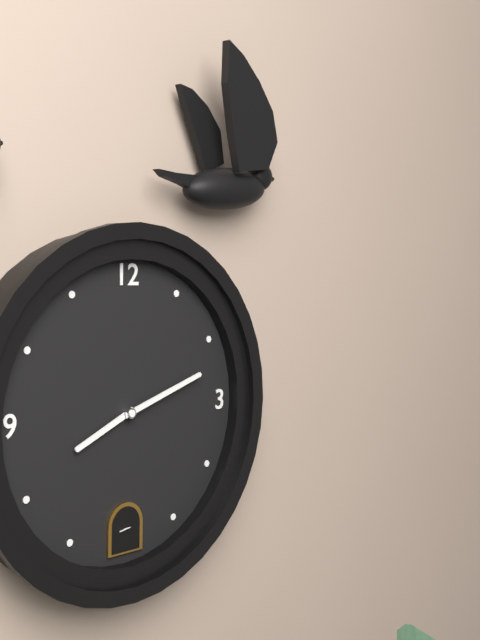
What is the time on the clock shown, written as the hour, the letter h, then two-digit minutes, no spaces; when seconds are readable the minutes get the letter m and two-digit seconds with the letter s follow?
8h12
